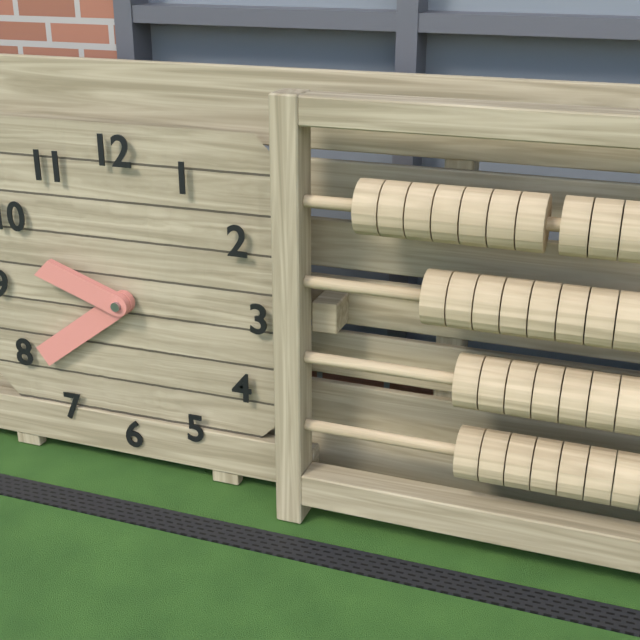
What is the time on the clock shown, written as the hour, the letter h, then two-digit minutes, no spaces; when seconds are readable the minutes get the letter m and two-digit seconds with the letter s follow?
9h39
